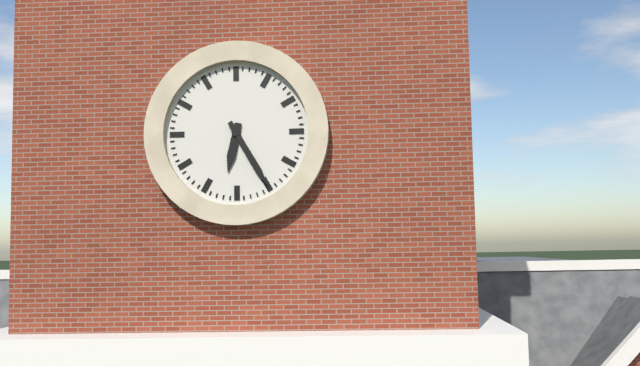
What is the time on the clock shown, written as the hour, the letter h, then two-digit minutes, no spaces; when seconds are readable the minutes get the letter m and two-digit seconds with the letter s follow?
6h25
